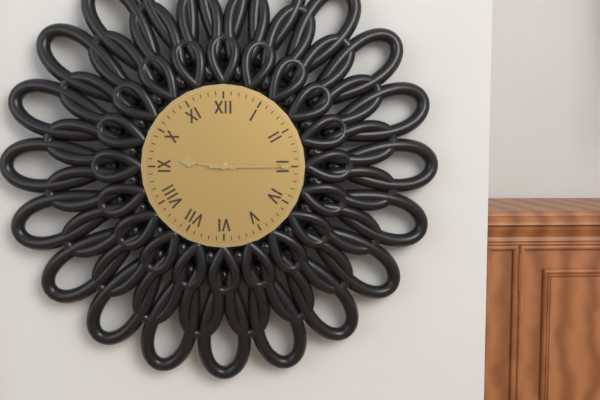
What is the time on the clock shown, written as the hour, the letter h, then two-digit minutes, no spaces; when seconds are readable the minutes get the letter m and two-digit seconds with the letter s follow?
9h15
